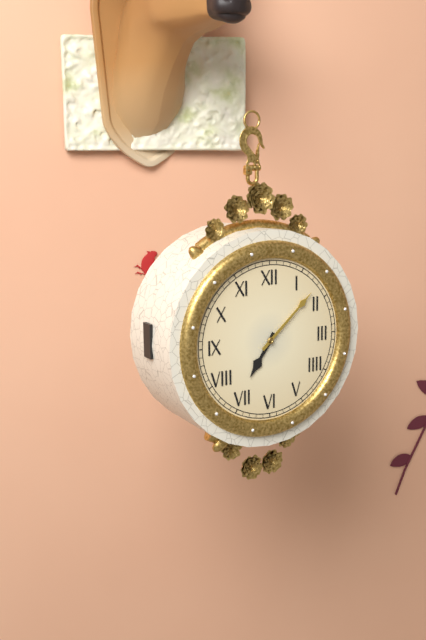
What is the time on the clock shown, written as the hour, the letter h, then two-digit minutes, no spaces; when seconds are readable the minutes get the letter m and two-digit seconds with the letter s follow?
7h08
